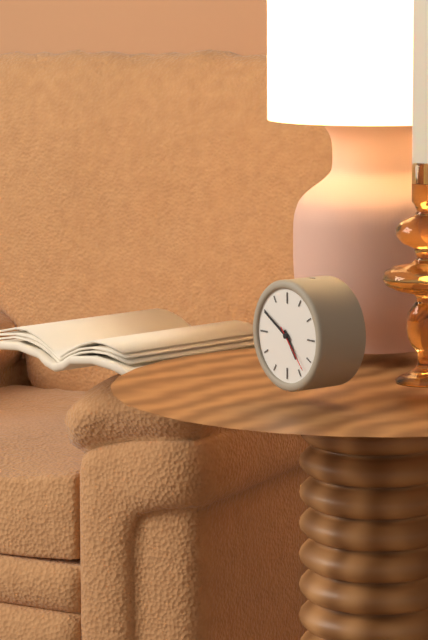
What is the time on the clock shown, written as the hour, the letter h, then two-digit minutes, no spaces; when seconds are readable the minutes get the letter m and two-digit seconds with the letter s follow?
4h50
